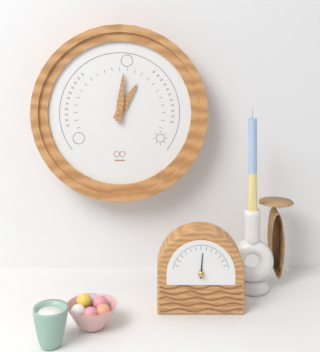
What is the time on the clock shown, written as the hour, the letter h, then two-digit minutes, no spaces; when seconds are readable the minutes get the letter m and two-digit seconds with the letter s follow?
1h01
